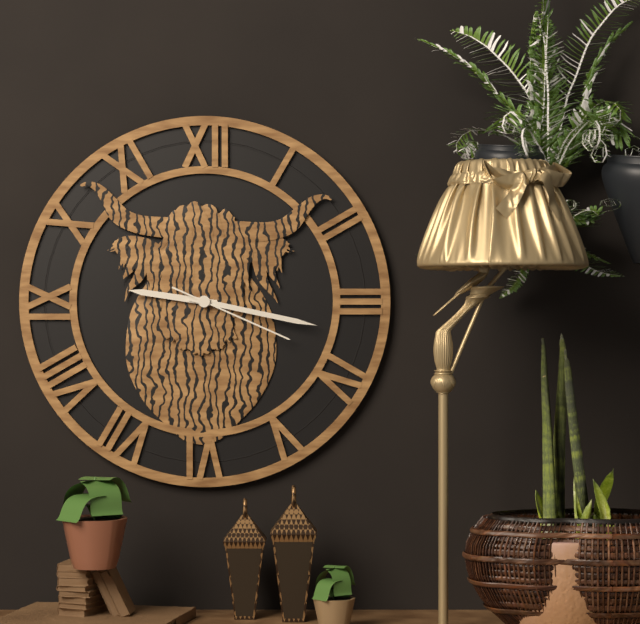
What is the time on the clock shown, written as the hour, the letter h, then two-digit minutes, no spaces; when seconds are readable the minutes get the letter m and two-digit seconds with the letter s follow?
9h17m19s
